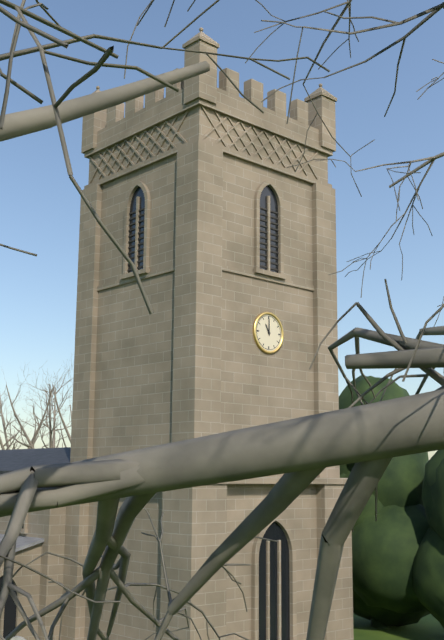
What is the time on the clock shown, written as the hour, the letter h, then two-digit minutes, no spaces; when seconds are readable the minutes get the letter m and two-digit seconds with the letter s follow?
11h00
